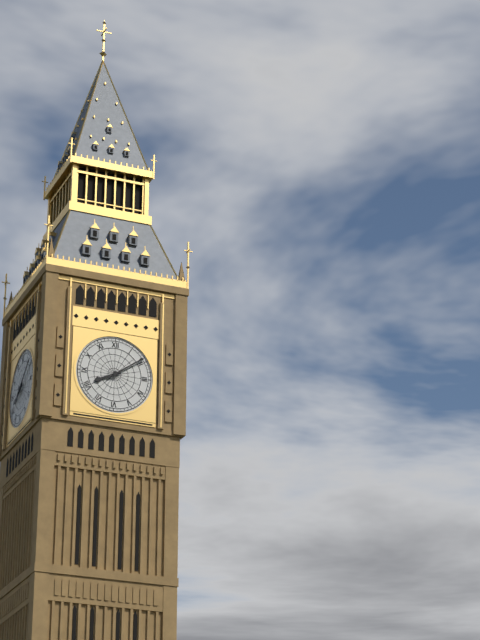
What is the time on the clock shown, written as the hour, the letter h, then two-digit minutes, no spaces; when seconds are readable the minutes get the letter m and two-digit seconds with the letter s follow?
8h09
